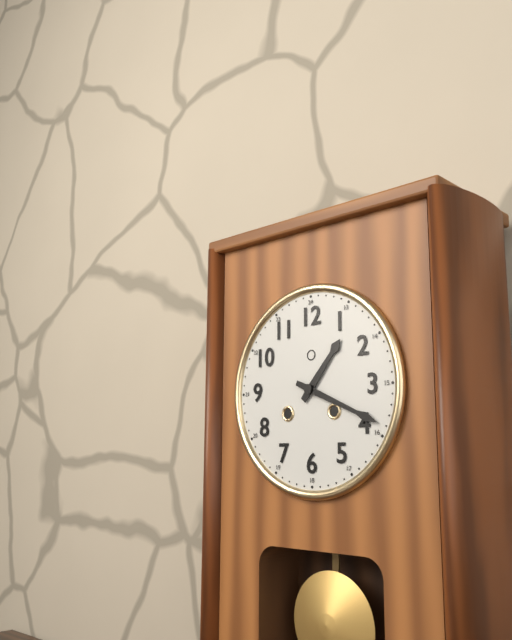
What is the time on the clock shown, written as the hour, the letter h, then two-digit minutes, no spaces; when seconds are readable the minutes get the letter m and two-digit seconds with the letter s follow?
1h19
